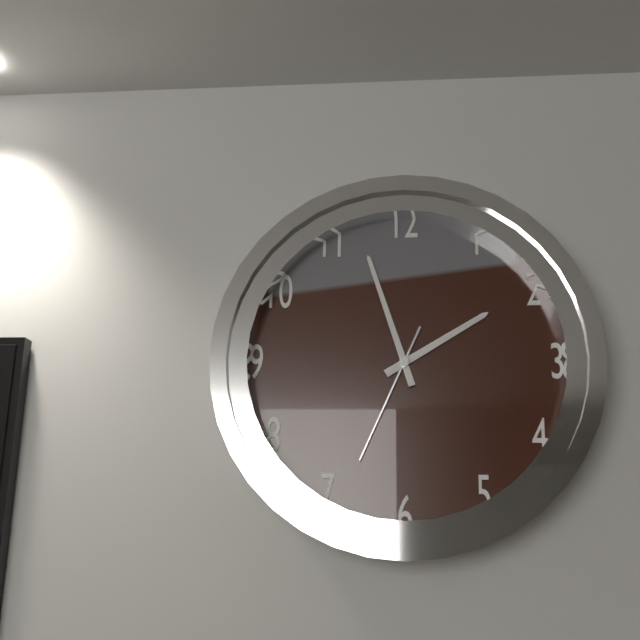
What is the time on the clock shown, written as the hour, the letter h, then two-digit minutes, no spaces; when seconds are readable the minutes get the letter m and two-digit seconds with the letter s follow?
1h57m34s
